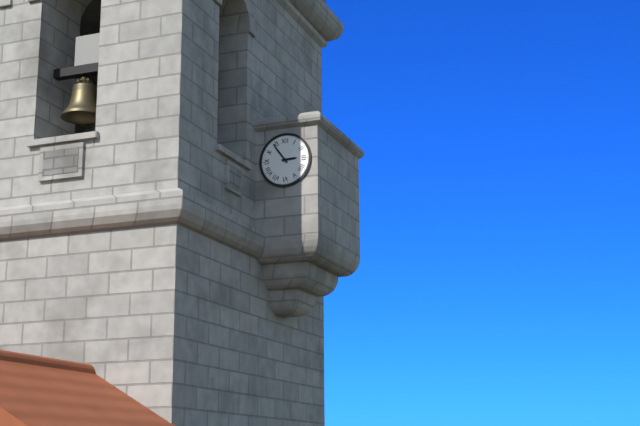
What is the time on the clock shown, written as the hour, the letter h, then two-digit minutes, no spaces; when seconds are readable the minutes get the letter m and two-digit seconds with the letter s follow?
2h54
